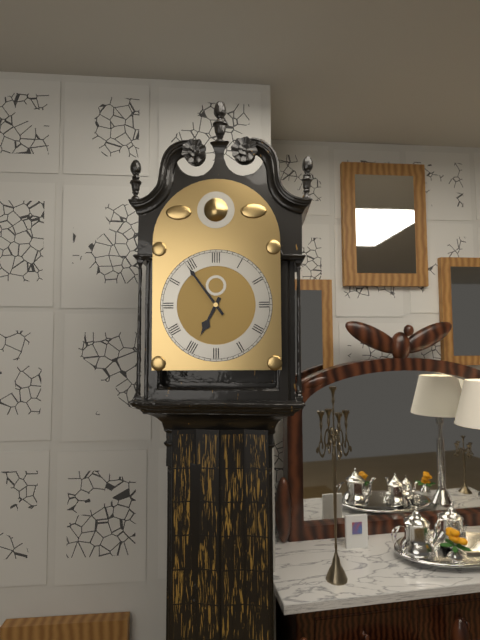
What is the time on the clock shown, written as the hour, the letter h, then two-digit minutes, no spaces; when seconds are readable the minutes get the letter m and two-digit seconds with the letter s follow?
6h54
